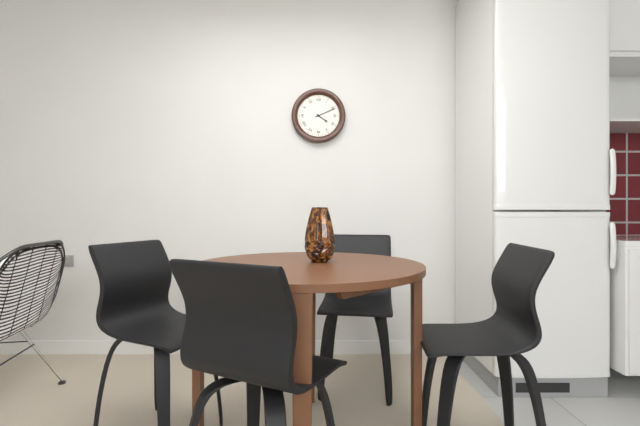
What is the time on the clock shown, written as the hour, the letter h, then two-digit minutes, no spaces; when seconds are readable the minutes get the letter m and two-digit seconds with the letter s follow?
4h11
